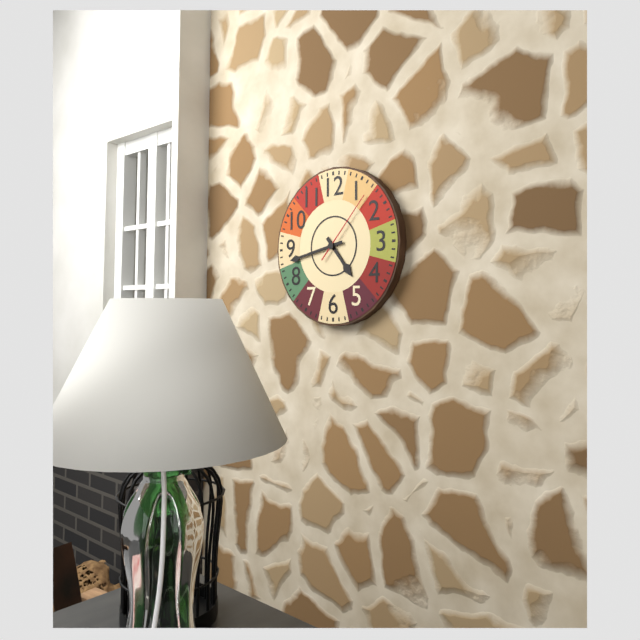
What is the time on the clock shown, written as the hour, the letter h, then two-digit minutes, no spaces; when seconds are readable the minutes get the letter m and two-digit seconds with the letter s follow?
4h43m07s
